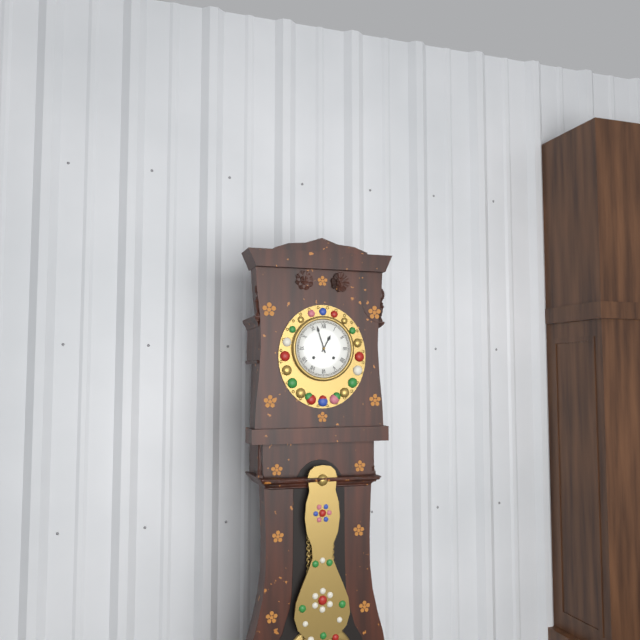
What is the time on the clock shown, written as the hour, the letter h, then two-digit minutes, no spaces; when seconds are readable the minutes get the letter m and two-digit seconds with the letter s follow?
12h57
